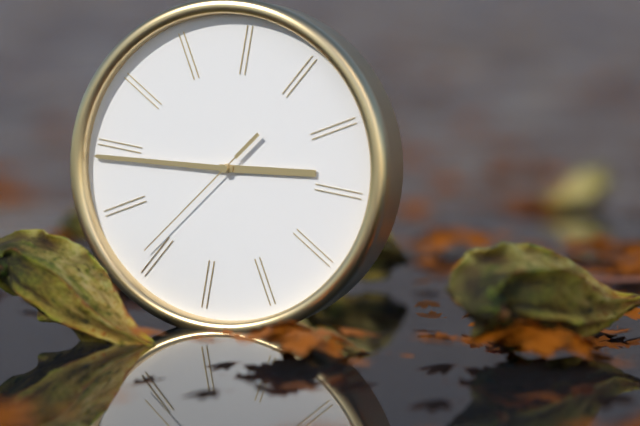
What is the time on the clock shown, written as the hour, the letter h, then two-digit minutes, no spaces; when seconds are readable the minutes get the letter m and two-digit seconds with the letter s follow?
2h44m36s
